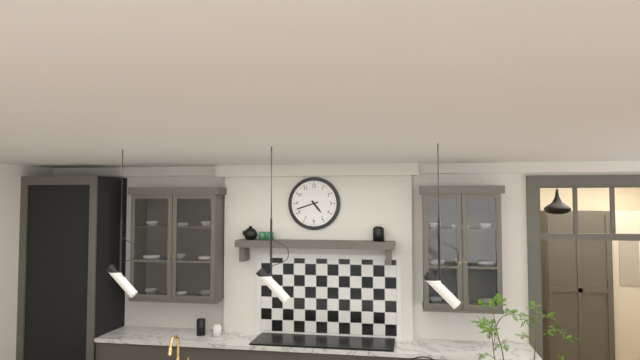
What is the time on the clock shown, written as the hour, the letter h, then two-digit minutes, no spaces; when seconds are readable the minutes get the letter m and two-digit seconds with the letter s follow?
4h42
